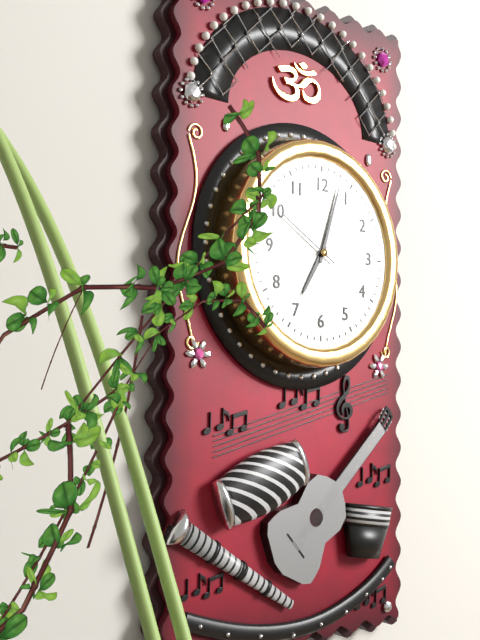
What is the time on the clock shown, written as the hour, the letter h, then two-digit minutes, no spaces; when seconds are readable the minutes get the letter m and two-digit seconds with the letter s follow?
7h03m50s
